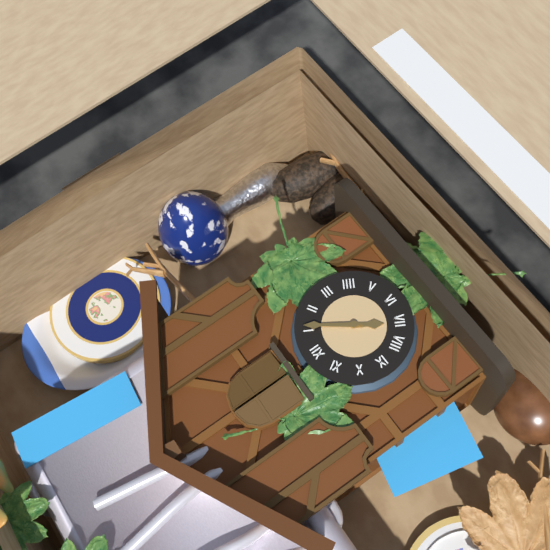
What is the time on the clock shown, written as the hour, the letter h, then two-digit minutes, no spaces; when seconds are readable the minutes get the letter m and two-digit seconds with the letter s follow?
7h06
